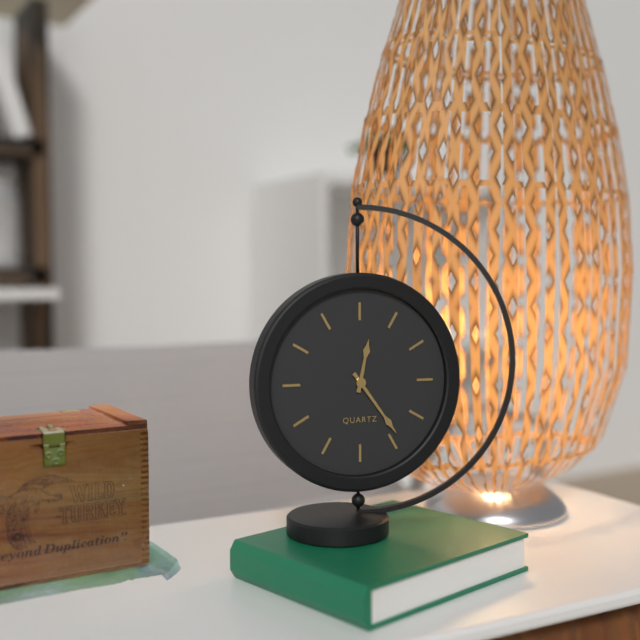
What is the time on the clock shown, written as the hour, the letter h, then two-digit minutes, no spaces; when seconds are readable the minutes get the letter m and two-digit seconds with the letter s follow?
12h24
